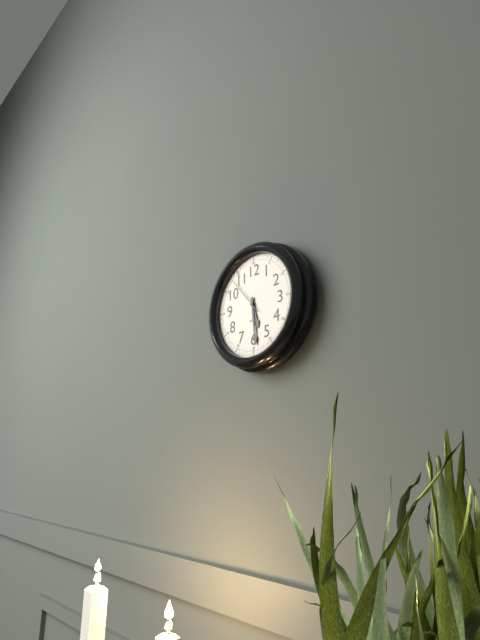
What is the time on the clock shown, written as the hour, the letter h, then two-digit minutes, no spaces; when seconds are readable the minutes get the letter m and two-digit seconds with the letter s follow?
5h29
